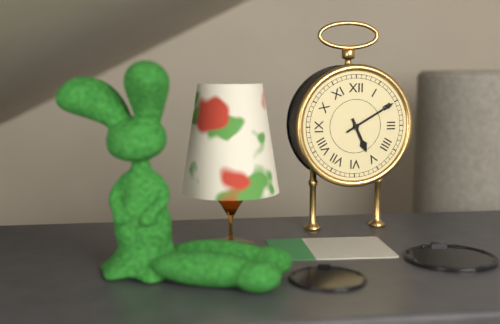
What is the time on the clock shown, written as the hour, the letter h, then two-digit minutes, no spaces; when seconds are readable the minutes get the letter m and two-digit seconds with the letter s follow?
5h10
